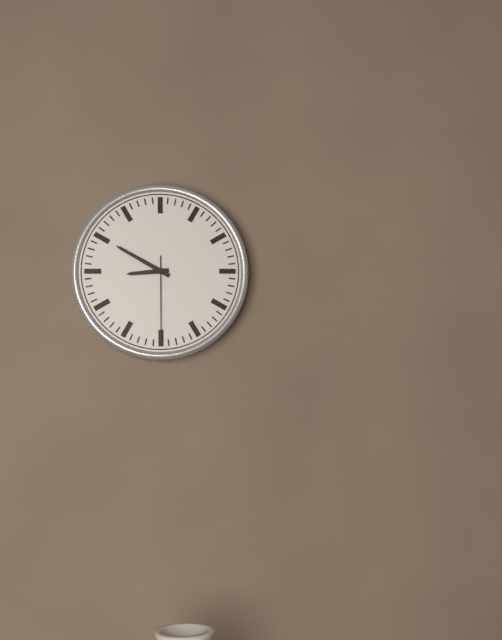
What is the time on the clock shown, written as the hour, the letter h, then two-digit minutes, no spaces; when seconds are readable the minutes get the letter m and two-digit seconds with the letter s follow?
8h50m30s
